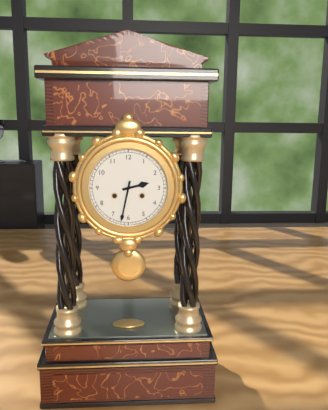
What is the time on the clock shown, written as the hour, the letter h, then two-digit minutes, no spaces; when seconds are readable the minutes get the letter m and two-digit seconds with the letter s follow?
2h32
